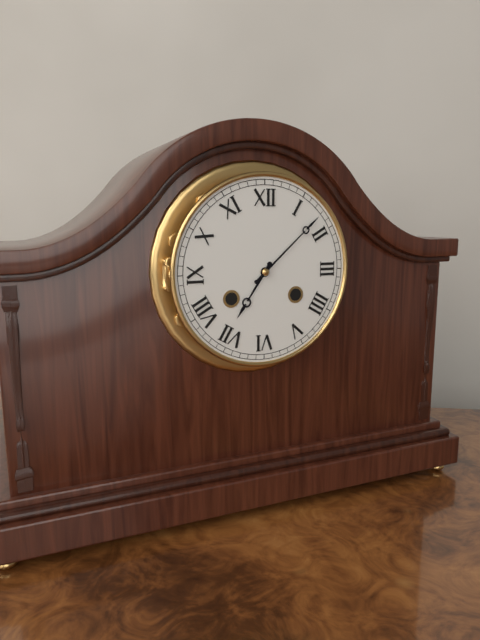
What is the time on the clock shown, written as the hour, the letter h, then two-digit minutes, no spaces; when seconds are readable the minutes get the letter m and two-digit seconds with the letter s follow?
7h08
